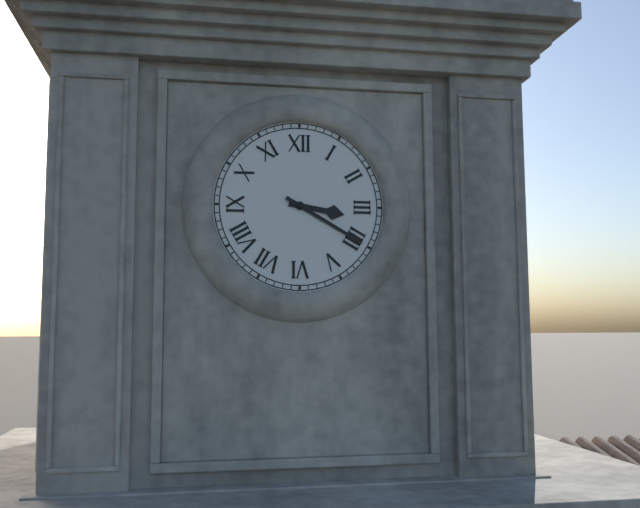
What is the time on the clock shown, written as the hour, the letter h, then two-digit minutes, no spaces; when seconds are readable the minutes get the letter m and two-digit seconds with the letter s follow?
3h20
